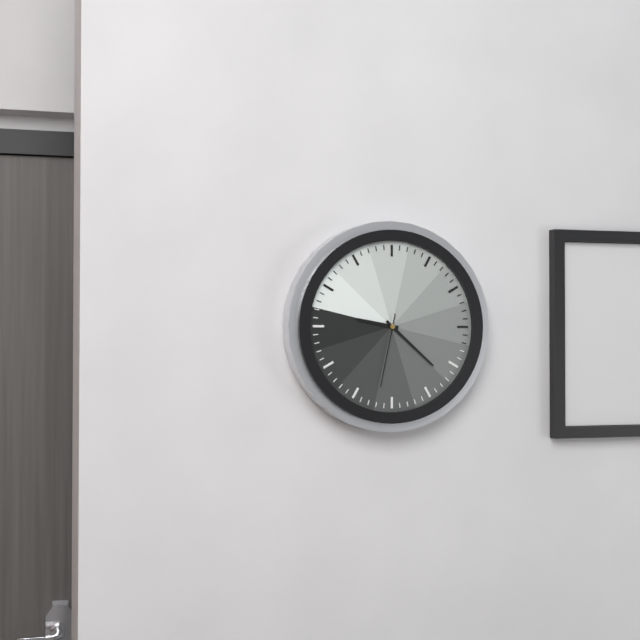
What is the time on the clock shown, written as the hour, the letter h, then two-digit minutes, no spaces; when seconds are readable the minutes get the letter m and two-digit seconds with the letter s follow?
9h22m32s
